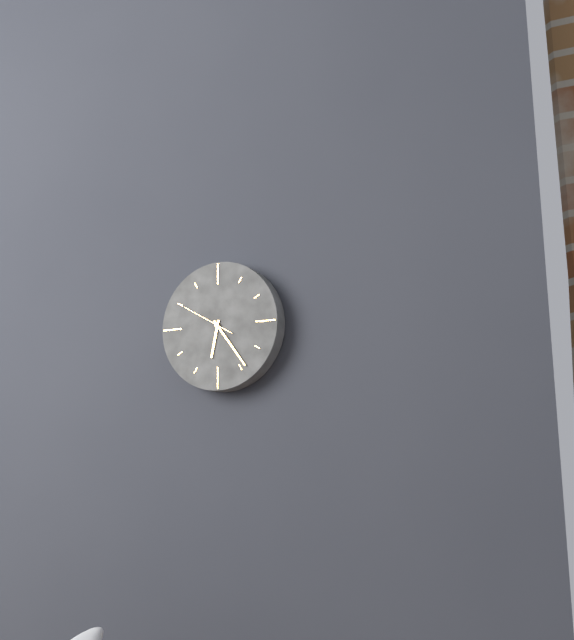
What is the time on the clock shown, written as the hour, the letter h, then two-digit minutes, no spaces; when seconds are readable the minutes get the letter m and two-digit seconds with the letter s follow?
6h24
